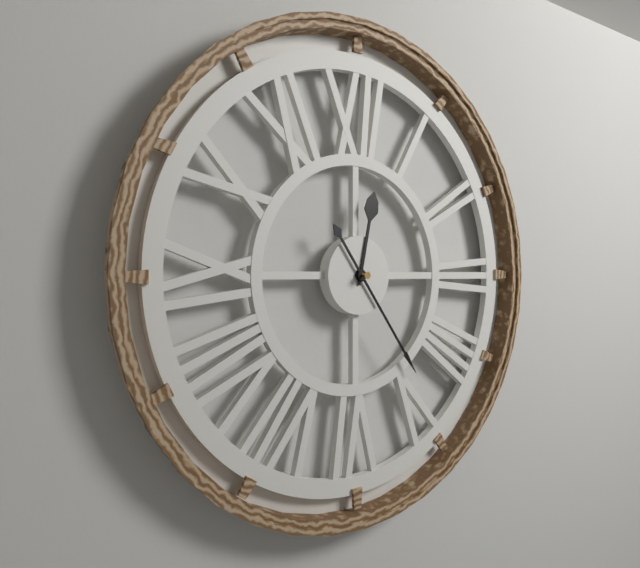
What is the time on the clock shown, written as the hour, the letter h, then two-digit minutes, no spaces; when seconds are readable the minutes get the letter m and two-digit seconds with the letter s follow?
12h24
